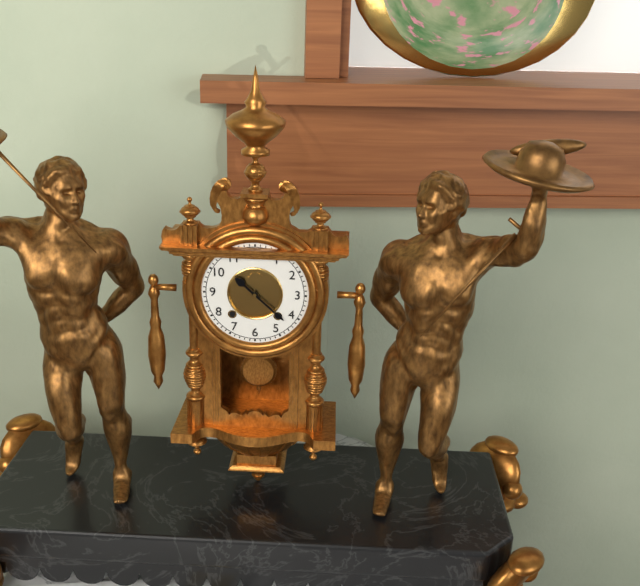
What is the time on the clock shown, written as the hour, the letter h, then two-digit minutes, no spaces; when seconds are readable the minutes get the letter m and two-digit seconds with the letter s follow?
10h22
